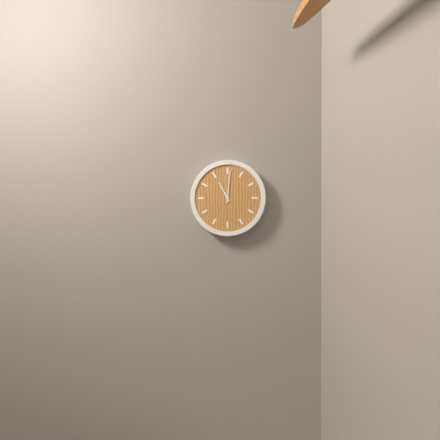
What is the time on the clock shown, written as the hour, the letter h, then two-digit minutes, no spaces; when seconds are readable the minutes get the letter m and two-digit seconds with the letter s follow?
11h01
